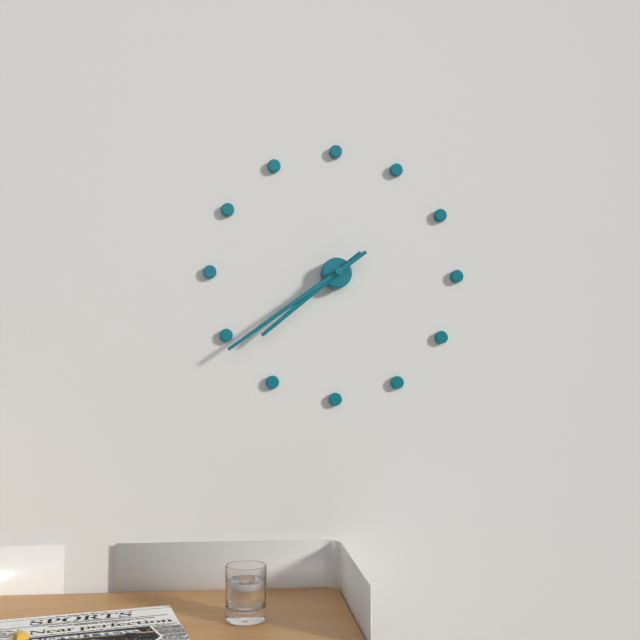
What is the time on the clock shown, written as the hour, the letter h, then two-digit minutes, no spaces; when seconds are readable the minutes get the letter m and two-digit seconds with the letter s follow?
7h39
